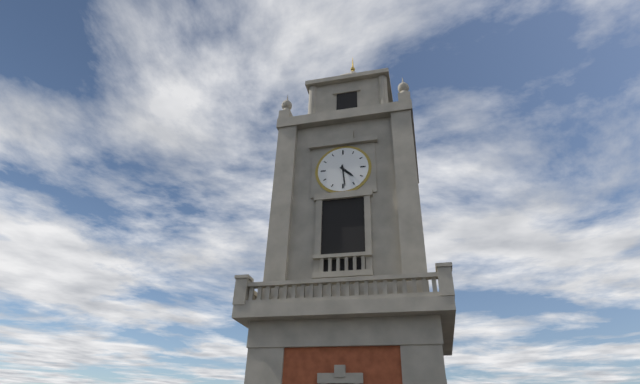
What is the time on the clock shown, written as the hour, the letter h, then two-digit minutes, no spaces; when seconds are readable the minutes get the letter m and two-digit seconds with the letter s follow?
4h29
